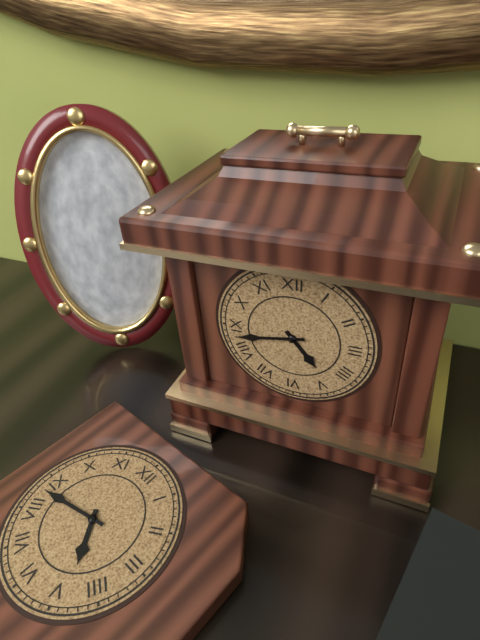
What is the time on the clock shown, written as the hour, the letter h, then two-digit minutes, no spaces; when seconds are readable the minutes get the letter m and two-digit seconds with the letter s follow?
4h43
